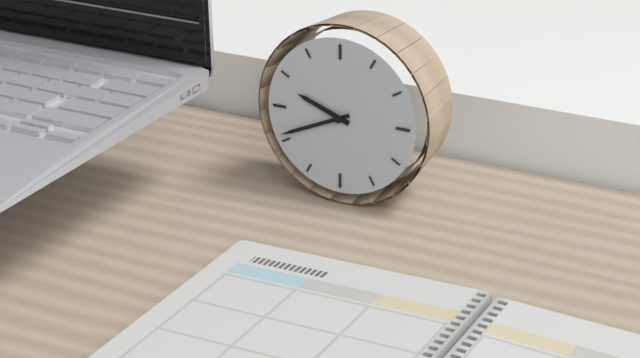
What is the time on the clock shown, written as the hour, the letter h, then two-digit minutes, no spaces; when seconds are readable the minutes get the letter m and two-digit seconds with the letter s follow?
9h41
